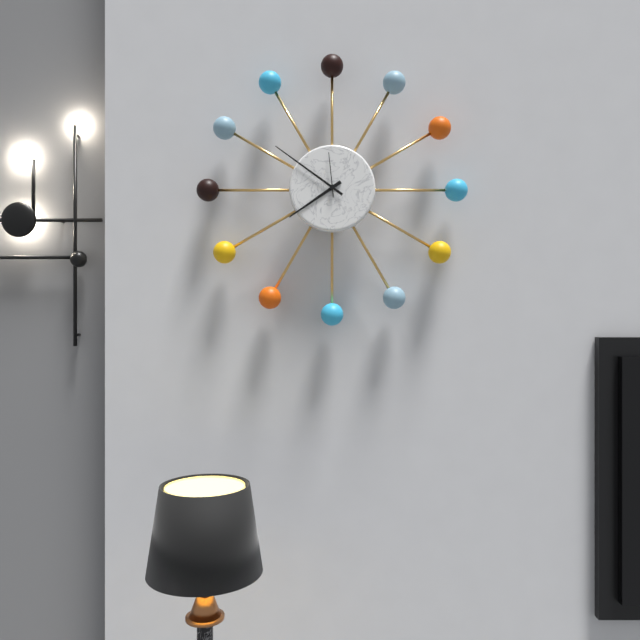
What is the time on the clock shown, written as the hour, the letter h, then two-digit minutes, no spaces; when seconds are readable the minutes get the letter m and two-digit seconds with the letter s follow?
7h51m59s
